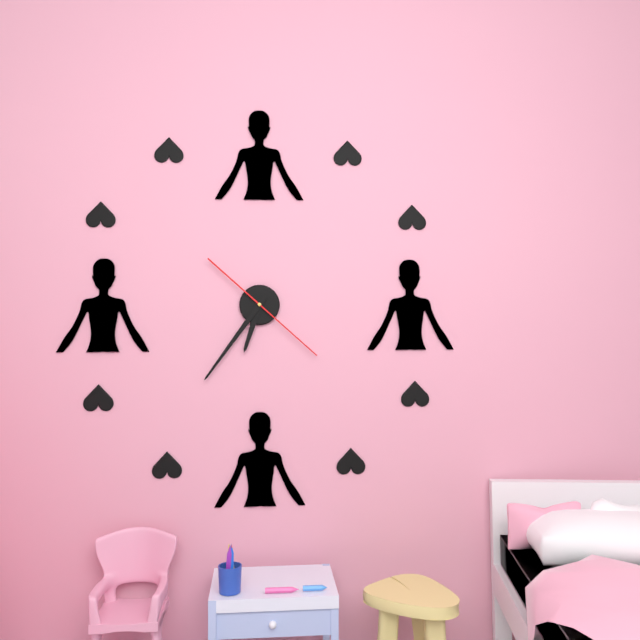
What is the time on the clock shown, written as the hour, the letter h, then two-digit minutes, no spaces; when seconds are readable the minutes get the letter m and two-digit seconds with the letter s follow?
6h36m22s
